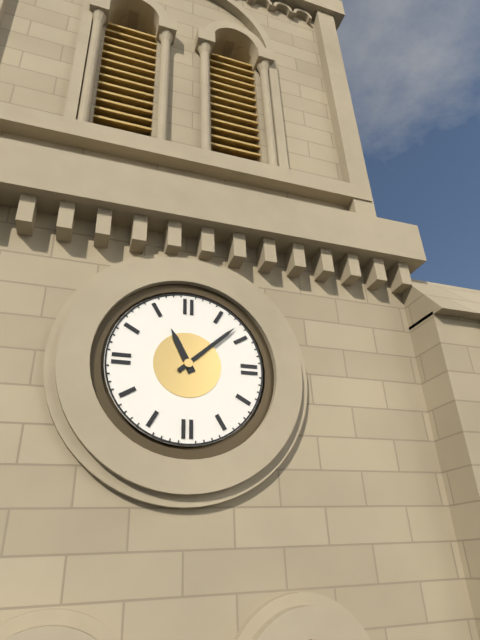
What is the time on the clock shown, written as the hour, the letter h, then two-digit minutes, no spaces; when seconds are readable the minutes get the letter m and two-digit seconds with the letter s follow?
11h08
